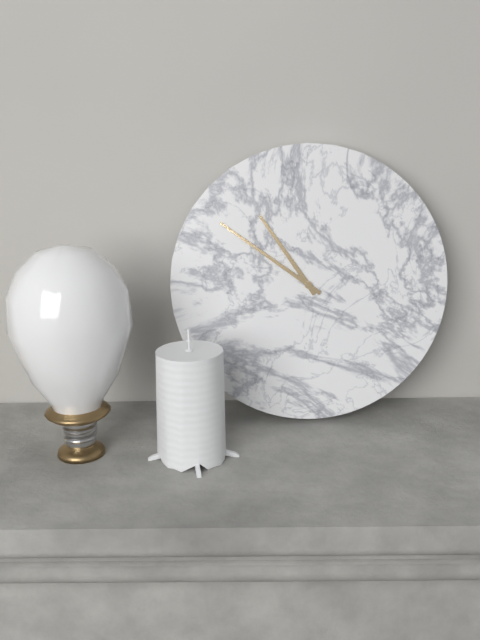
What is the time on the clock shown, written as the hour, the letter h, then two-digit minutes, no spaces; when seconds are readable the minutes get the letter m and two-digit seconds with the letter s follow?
10h51
